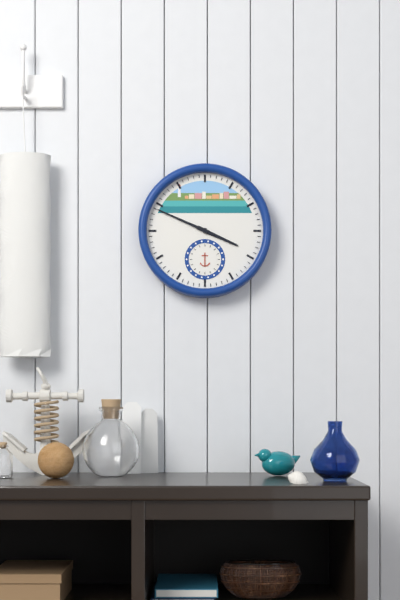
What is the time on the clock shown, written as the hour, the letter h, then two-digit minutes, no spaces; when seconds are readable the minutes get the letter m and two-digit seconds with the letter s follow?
3h49
